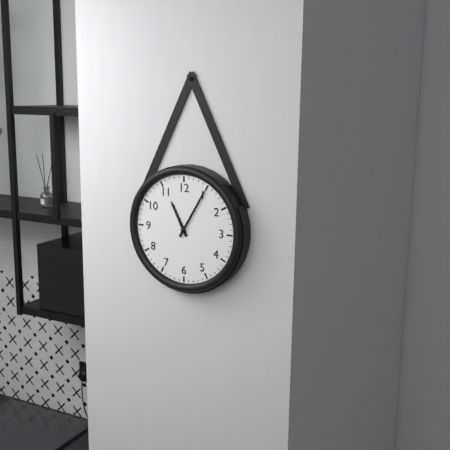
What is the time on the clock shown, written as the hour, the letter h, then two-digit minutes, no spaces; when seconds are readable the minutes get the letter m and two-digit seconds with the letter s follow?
11h05
